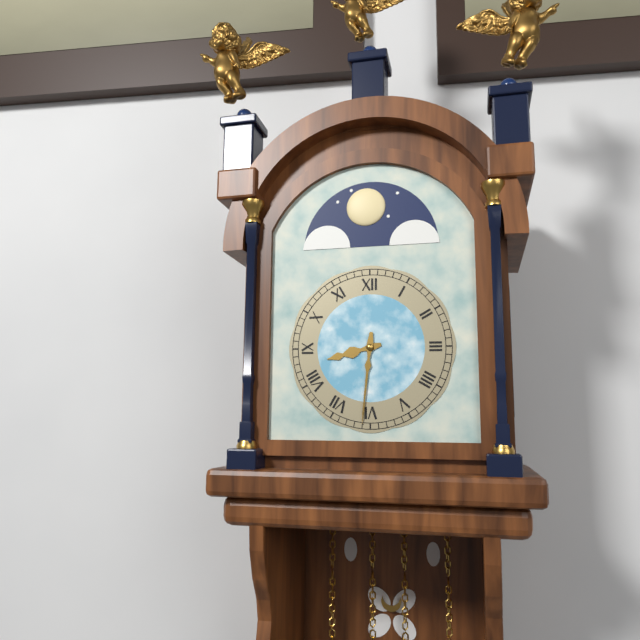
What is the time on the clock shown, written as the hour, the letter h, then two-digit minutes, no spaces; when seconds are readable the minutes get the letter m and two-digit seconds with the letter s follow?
8h31
